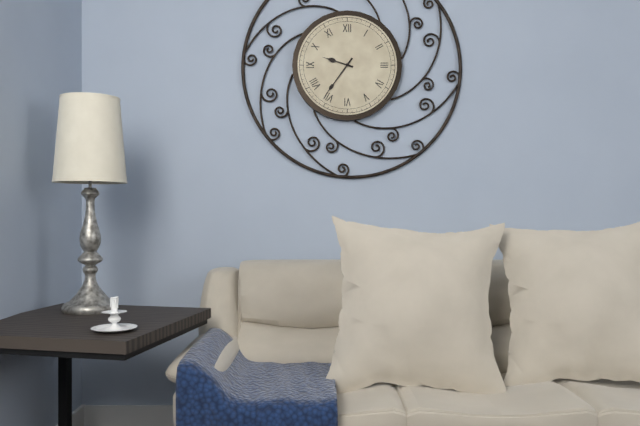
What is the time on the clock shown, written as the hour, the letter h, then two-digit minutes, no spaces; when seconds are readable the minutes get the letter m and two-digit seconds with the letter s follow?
9h36
